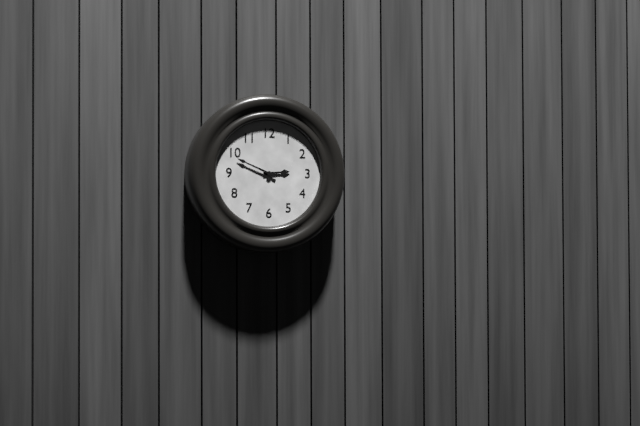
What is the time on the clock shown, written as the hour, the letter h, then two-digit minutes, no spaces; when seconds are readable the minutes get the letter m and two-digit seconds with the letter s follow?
2h49
